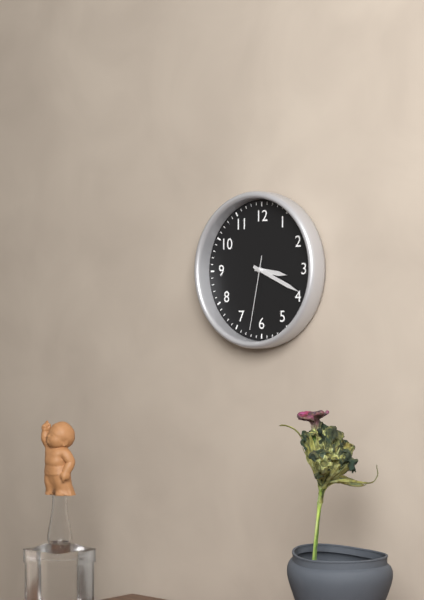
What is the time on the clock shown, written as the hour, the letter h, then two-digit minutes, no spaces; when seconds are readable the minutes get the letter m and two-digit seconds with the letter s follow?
3h19m32s
